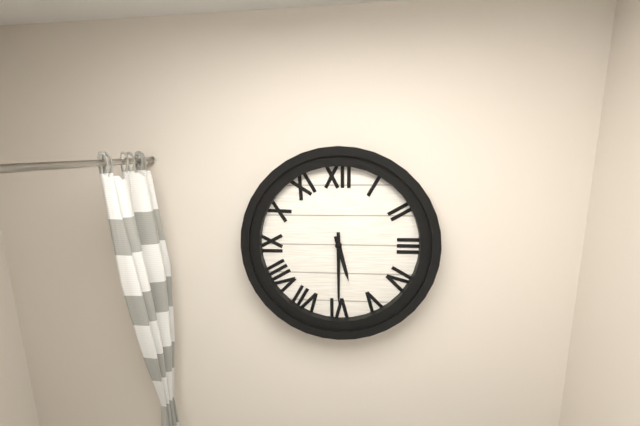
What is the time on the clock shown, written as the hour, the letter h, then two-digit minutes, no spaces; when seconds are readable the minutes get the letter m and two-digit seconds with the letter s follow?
5h30
